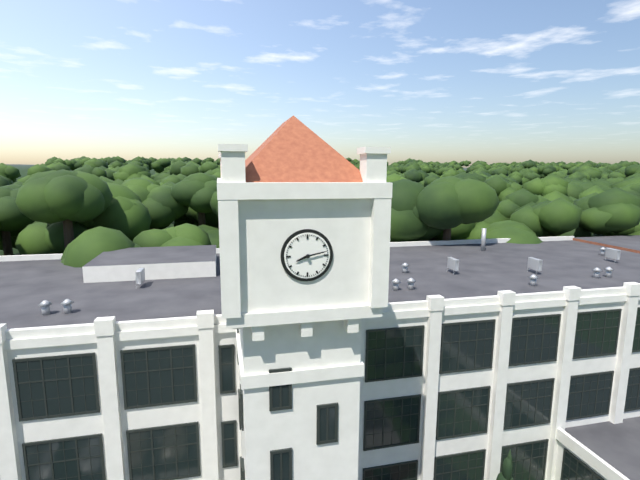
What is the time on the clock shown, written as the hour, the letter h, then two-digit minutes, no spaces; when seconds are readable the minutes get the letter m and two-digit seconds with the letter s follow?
8h13
